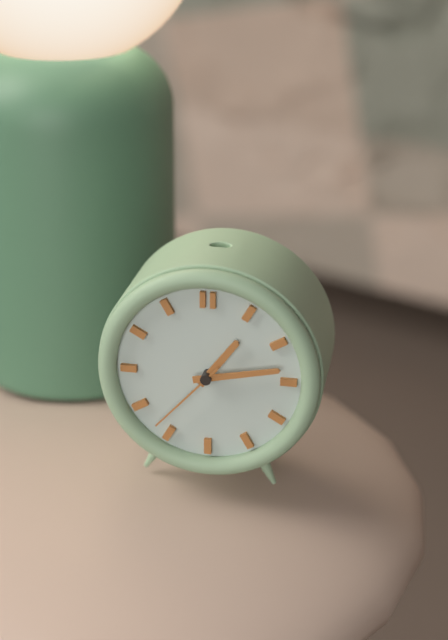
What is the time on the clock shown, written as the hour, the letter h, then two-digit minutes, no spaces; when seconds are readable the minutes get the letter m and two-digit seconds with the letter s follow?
1h13m37s
